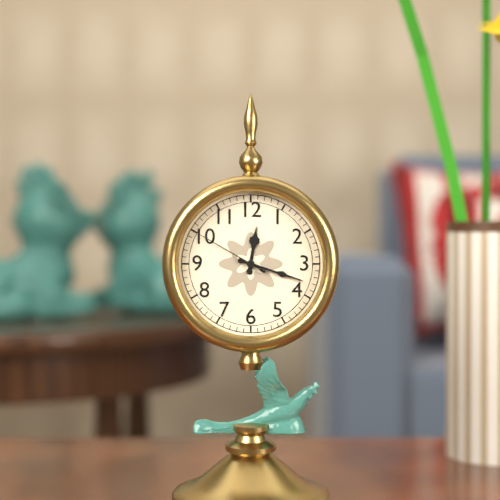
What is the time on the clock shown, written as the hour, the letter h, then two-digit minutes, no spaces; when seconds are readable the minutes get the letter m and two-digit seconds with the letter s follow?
12h18m50s
